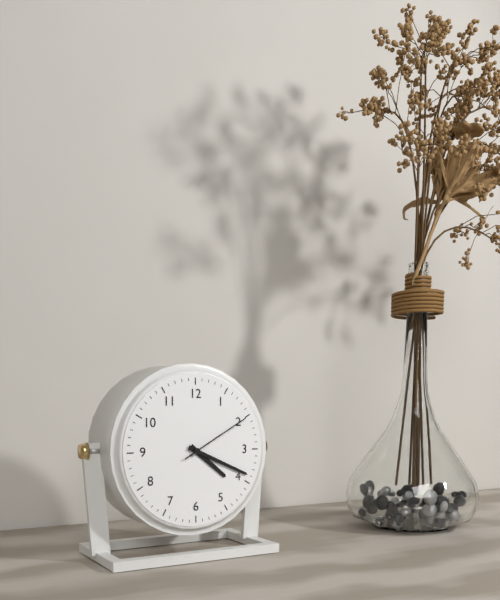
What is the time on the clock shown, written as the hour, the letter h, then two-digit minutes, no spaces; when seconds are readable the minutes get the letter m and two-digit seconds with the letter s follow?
4h19m10s
